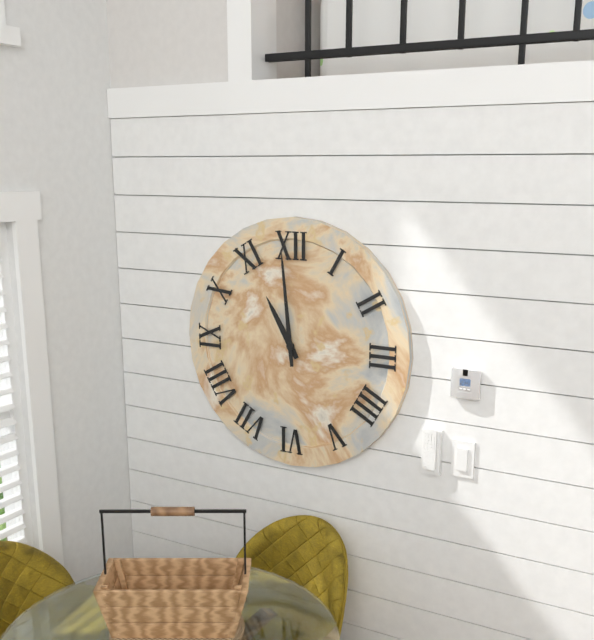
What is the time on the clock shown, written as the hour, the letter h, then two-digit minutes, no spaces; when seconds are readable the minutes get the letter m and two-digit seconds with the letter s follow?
10h59
